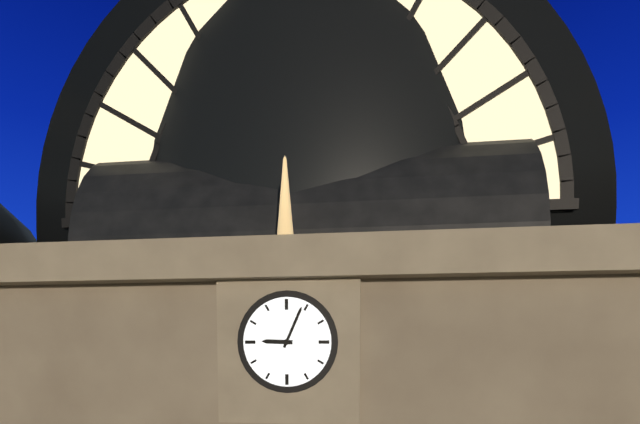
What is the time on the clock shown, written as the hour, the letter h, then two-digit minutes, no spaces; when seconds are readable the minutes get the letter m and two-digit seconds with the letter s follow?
9h04
